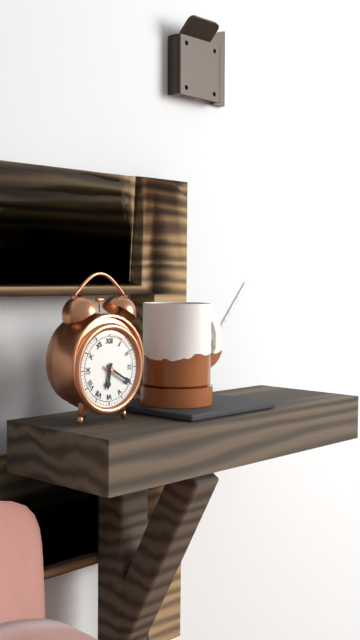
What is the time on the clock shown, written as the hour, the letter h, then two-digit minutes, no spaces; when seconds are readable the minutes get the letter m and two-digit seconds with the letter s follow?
6h20
